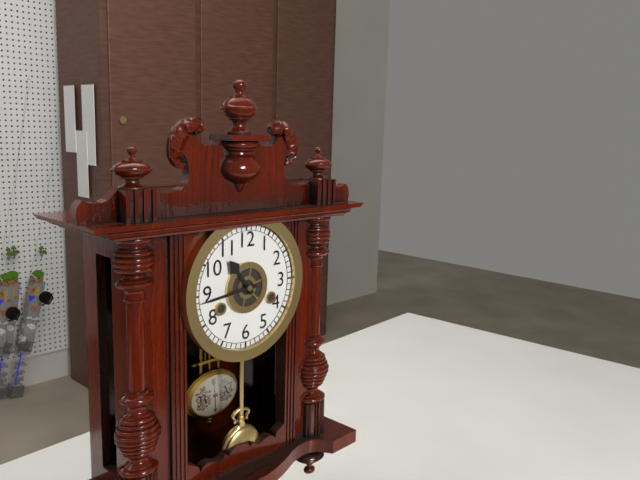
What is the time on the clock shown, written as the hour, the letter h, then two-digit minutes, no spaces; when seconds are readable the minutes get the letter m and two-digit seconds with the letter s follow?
10h44
